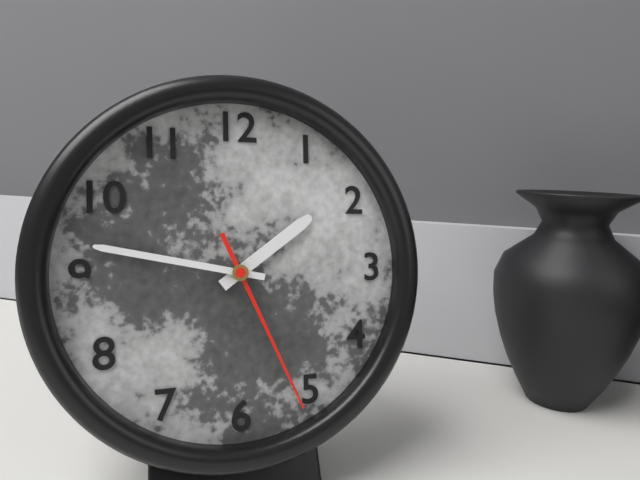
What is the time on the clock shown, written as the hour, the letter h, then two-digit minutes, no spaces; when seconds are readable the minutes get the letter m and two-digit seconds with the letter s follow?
1h47m26s
